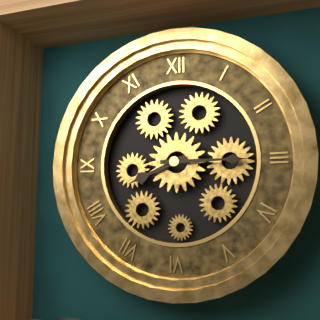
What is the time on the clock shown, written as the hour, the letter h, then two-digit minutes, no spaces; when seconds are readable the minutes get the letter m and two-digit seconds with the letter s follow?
8h15
